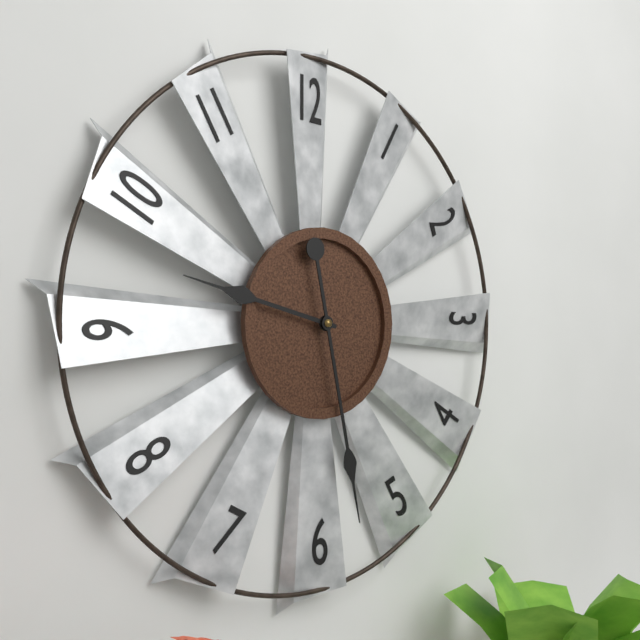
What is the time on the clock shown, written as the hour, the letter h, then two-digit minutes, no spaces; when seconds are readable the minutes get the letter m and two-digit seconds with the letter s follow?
9h28
